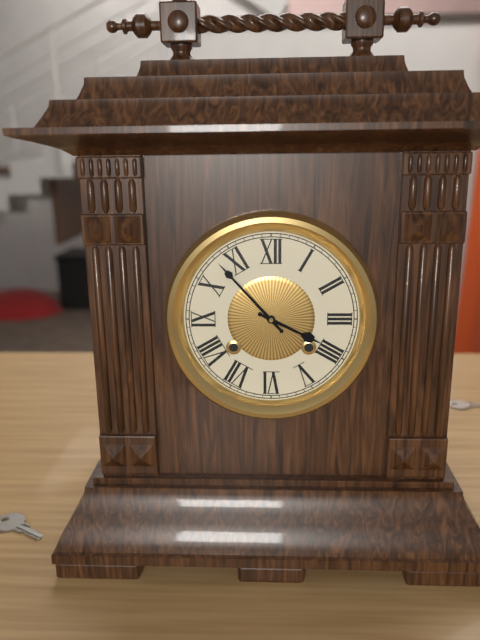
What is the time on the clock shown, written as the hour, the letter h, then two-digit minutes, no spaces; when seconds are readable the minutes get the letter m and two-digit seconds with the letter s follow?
3h53
